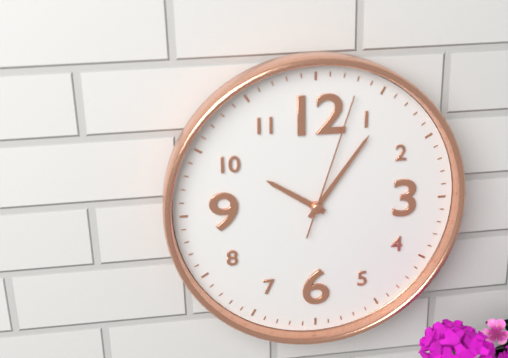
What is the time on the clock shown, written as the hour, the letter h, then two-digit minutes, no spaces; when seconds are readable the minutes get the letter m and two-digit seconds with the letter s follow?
10h06m03s
